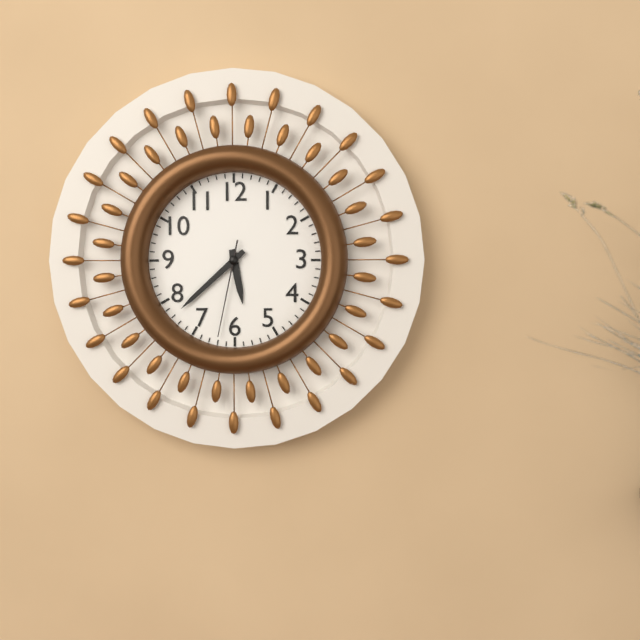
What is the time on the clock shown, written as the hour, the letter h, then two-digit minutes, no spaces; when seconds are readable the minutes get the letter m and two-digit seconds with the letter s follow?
5h38m32s
